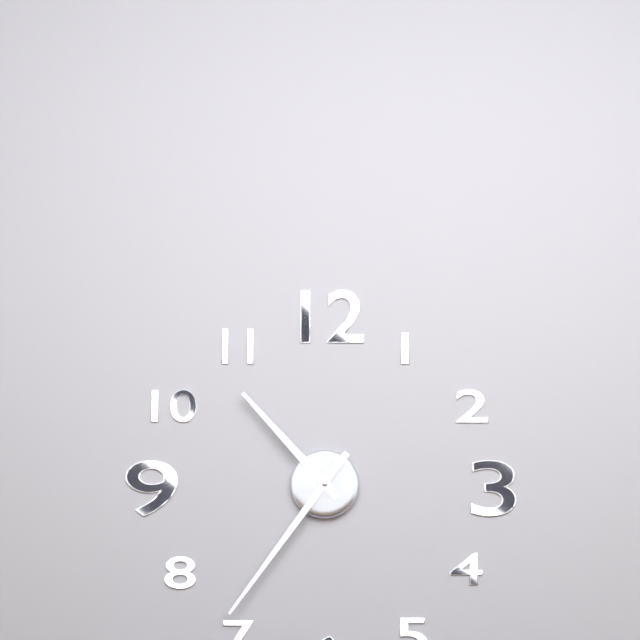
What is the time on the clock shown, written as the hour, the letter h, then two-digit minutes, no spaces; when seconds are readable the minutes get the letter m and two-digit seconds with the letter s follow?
10h36
